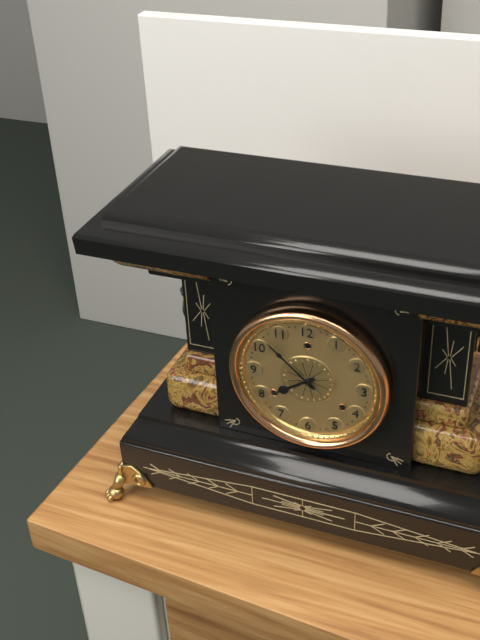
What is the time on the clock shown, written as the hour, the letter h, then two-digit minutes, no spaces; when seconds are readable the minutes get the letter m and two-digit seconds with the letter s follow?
7h52
